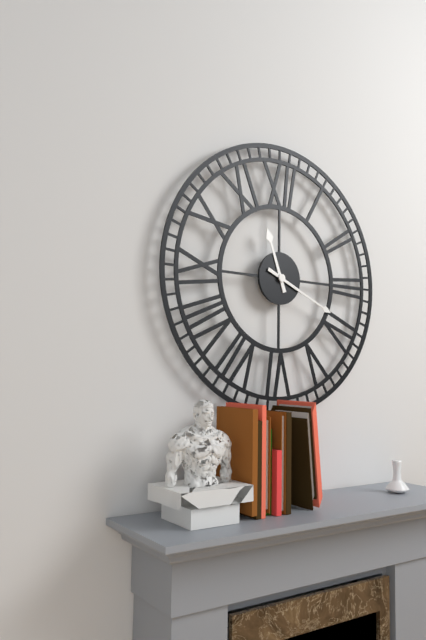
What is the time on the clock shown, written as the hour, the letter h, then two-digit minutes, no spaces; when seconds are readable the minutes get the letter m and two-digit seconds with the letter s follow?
11h19
